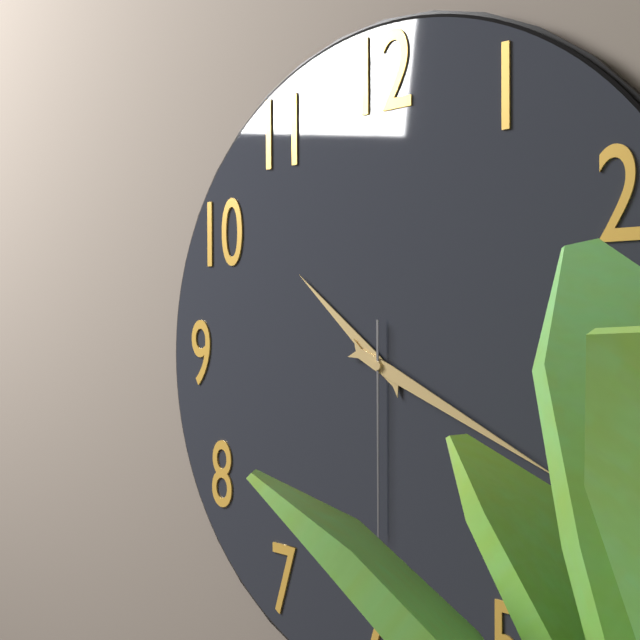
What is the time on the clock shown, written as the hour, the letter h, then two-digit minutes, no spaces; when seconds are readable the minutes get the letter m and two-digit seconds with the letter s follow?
10h19m30s
